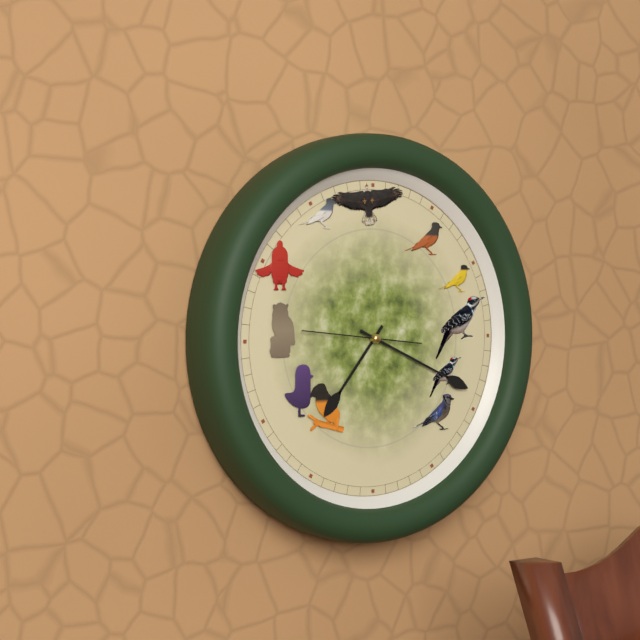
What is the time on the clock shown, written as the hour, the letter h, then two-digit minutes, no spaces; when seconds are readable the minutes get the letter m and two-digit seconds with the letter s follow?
7h19m46s
